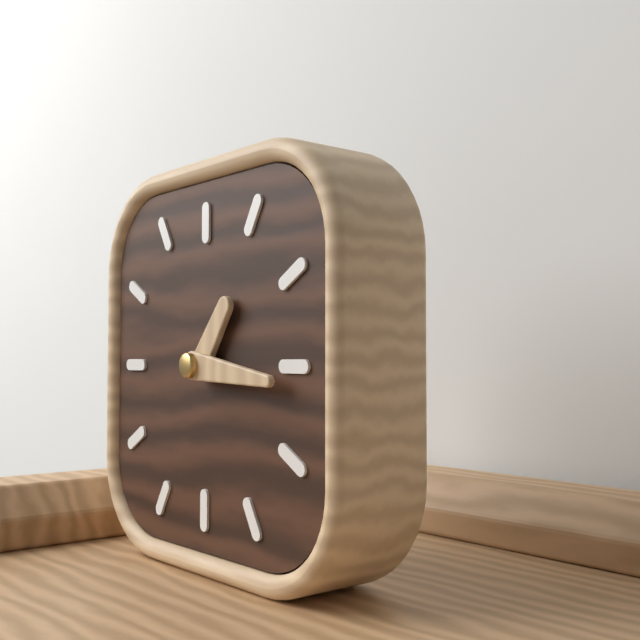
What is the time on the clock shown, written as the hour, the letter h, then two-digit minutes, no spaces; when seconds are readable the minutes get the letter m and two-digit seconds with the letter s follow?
1h16
